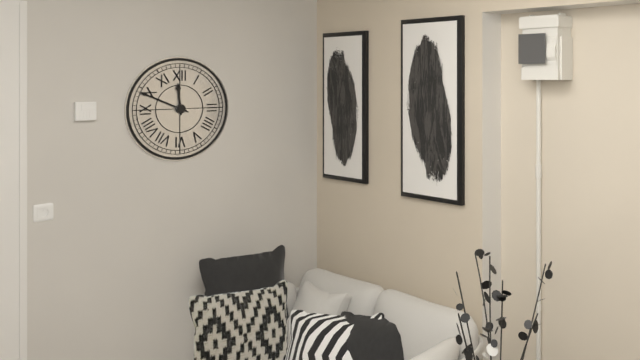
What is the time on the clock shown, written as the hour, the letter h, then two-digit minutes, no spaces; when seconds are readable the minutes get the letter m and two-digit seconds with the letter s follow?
11h49
